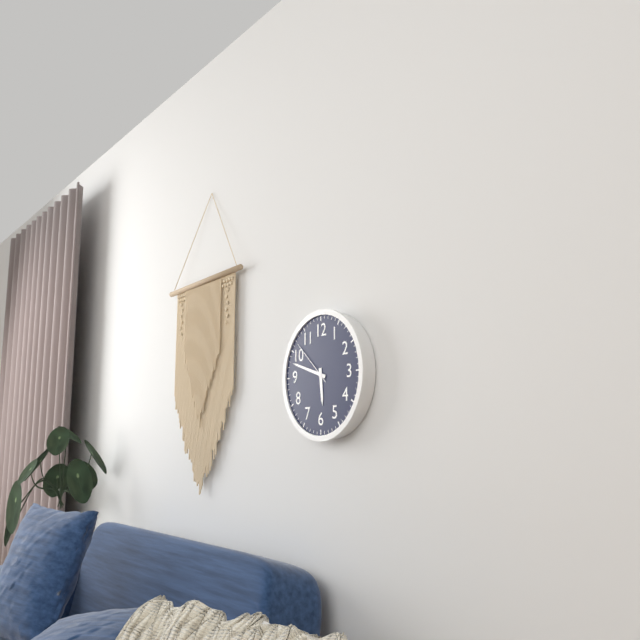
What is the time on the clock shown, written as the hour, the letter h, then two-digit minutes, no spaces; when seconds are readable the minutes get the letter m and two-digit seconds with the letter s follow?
5h48
